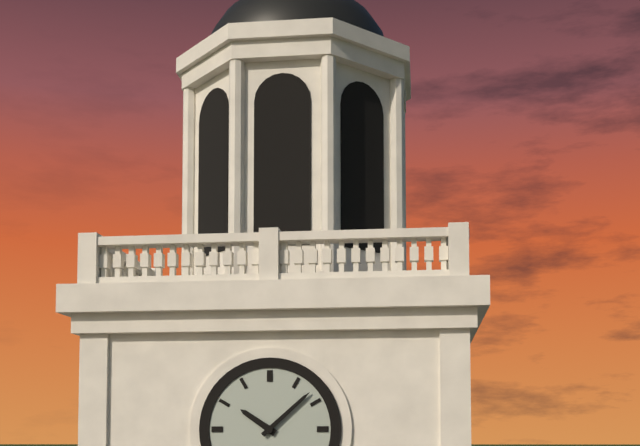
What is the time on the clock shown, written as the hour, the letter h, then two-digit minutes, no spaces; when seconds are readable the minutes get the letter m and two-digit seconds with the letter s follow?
10h08
